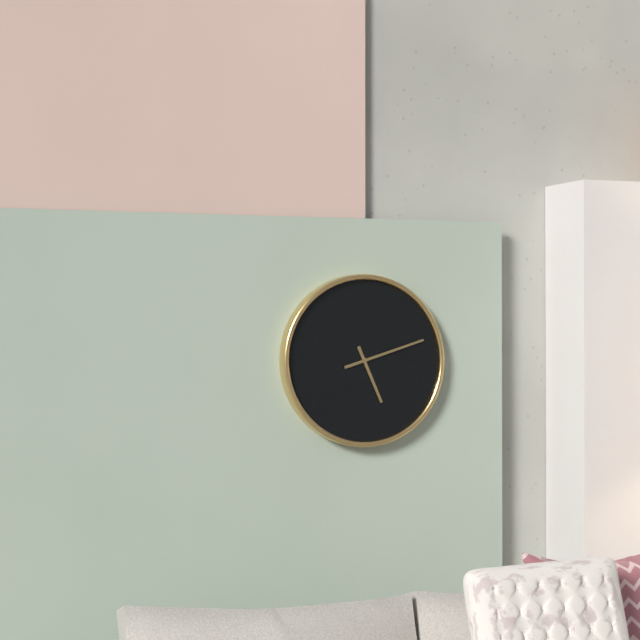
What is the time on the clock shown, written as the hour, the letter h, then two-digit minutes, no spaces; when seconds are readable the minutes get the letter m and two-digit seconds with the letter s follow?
5h12
